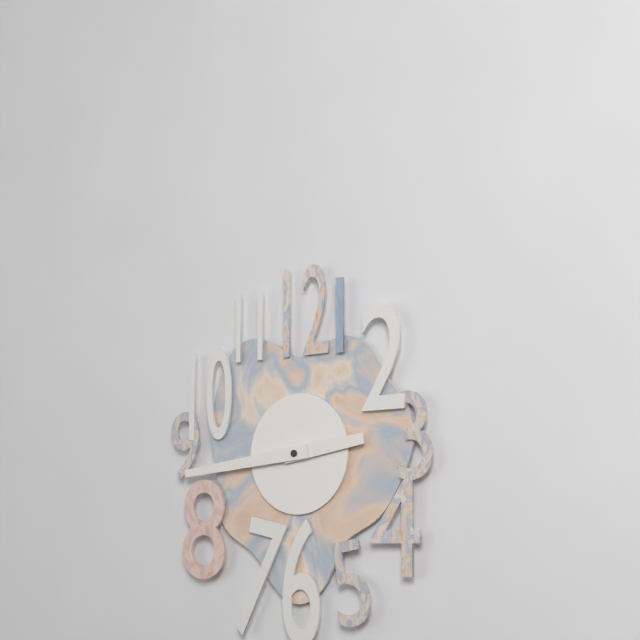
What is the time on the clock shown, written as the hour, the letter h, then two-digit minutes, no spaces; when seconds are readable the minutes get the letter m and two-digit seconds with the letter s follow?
2h44
